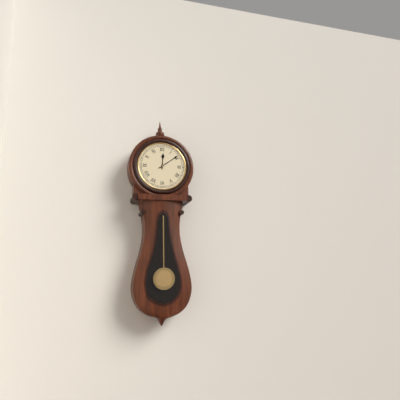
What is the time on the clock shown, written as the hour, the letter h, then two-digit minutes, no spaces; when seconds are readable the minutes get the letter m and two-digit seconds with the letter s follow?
12h09
